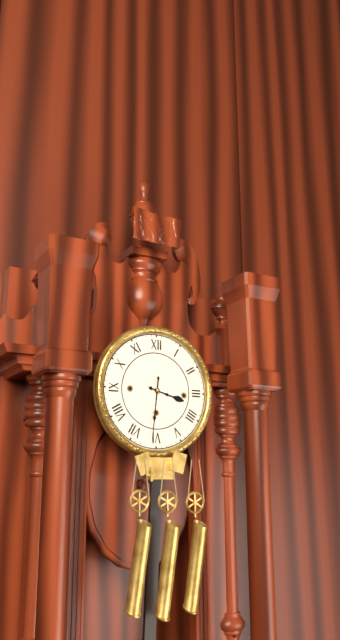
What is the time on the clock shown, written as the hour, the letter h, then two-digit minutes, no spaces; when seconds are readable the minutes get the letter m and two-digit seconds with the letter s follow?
3h31
